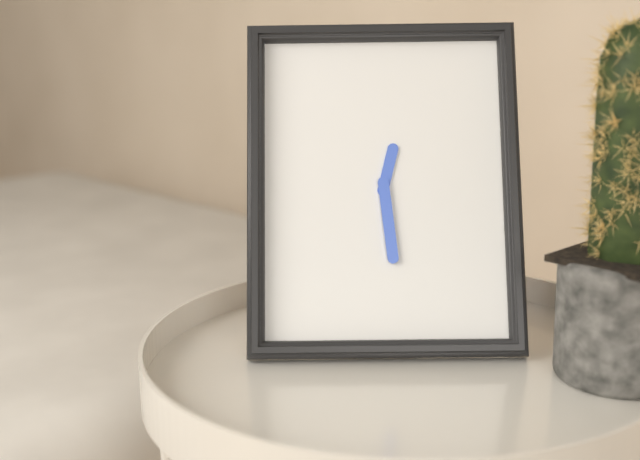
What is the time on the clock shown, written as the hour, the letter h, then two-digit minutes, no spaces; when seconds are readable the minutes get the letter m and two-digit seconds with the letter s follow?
12h29
